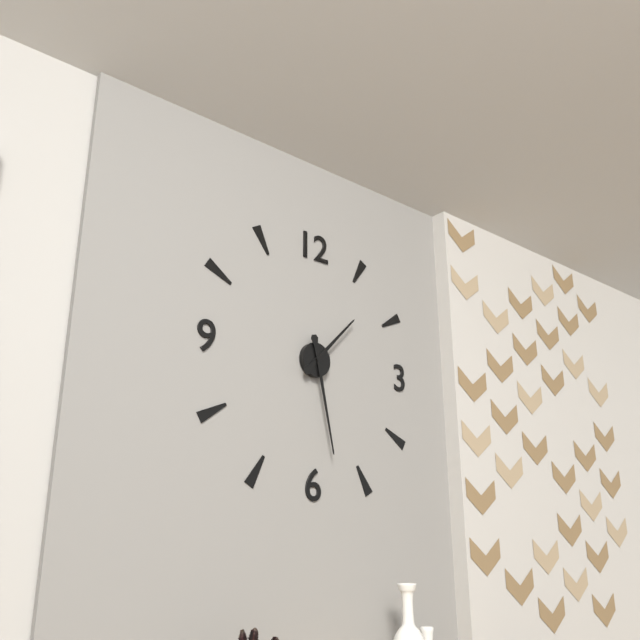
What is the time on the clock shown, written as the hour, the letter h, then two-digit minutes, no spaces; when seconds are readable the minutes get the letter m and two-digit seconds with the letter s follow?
1h28
